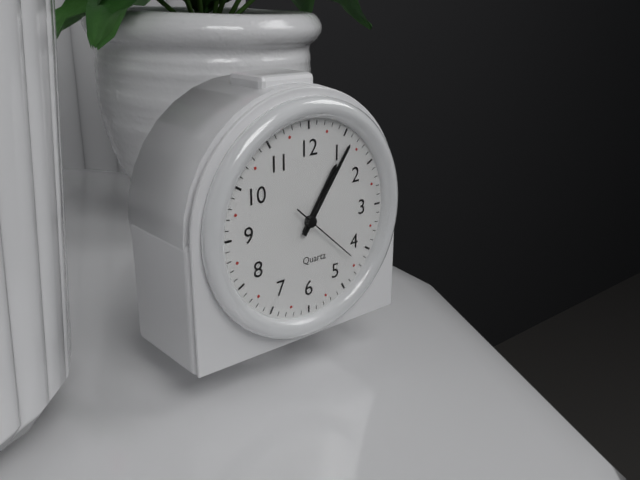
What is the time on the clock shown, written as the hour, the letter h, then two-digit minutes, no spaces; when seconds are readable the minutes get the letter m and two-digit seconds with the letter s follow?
1h06m22s
